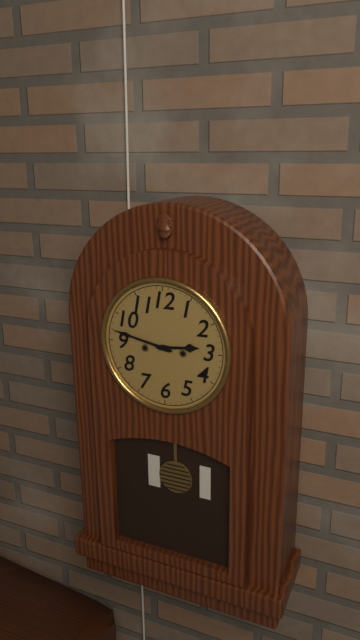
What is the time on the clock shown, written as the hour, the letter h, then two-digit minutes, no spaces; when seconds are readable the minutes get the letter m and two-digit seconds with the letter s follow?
2h47
